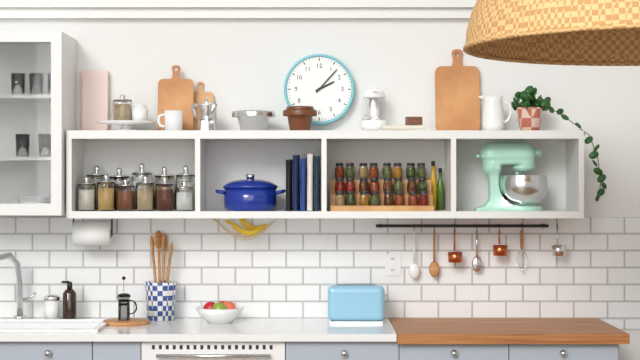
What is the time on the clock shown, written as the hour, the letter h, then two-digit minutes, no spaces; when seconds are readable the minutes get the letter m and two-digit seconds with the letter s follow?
2h07
